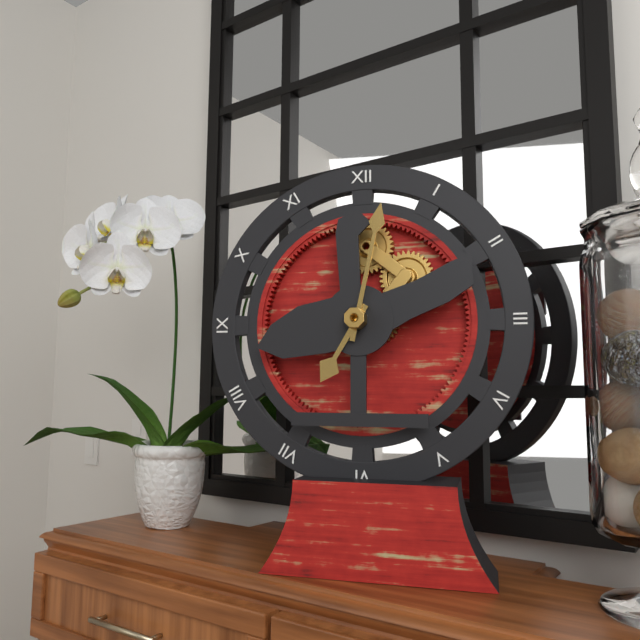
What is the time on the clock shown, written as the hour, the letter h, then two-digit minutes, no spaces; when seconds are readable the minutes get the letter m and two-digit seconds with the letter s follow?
7h02
